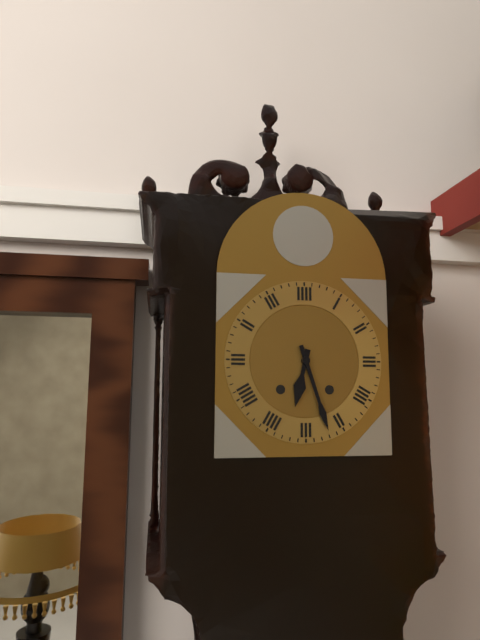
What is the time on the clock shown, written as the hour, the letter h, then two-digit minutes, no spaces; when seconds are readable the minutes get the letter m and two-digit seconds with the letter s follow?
6h27
